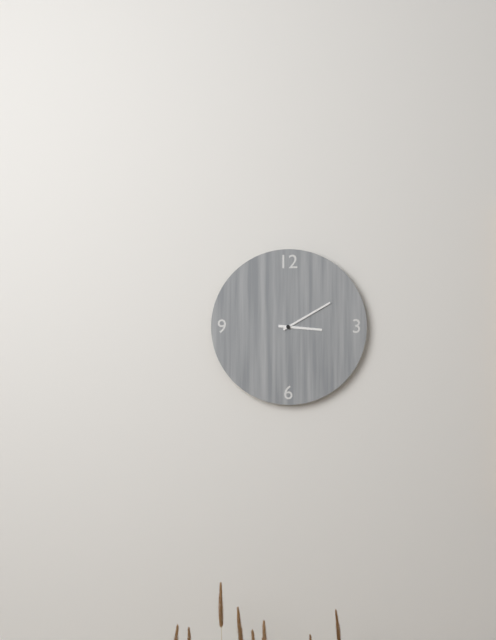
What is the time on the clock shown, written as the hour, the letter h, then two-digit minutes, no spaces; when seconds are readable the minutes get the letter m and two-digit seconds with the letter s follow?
3h10
